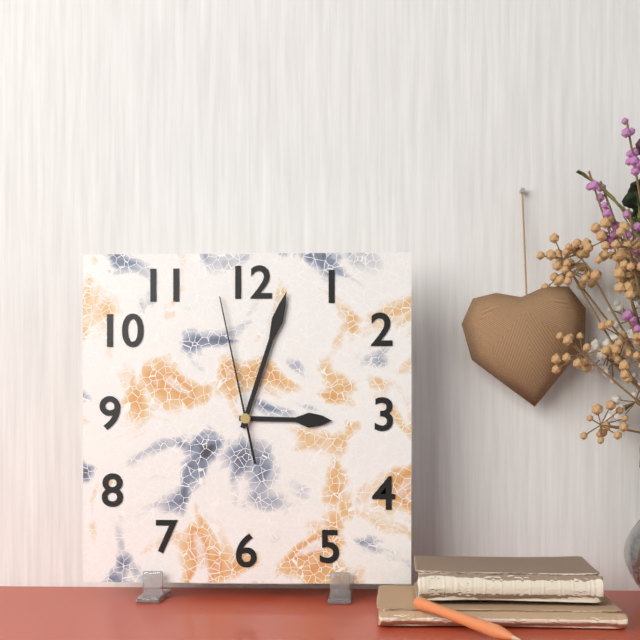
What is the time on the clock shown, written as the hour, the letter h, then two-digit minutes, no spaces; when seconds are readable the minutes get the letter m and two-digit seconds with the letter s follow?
3h03m58s
